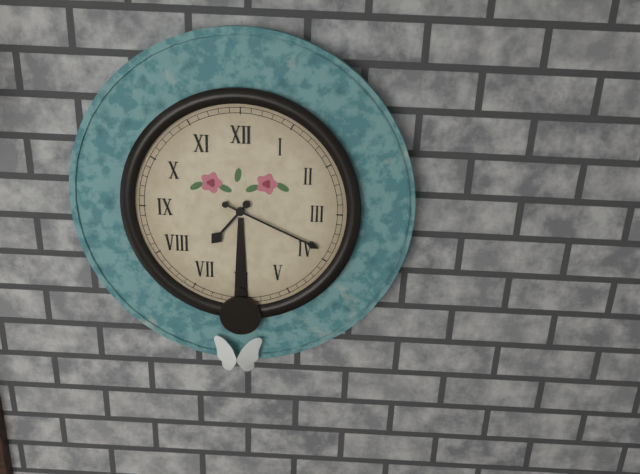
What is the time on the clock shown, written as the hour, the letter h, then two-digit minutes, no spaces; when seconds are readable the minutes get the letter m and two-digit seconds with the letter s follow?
7h19
